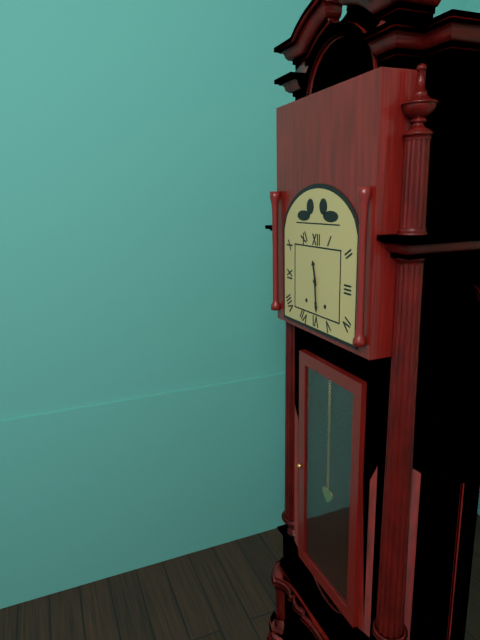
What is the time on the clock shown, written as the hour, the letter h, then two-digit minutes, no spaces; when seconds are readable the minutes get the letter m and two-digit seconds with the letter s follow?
11h29
